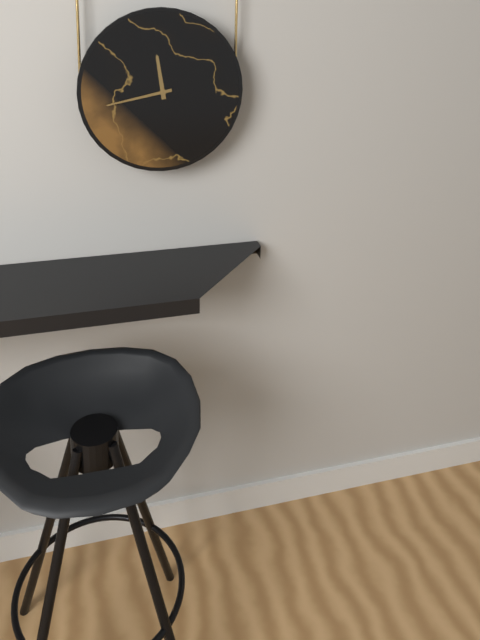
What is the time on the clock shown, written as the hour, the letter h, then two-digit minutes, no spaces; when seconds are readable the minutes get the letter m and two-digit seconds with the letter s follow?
11h43
